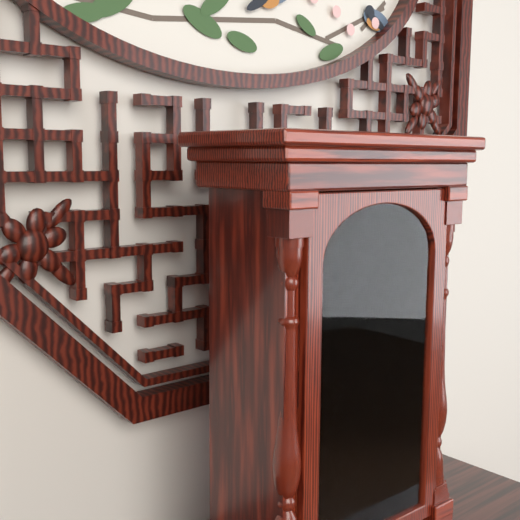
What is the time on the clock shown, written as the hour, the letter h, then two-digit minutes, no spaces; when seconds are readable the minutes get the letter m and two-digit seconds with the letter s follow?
9h41
